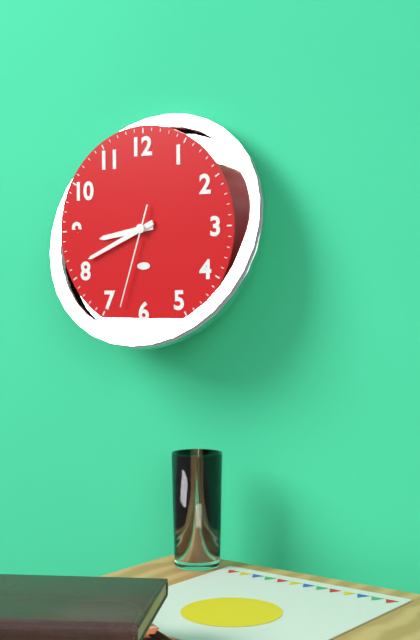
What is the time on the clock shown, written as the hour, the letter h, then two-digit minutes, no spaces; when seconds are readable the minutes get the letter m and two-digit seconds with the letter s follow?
8h41m33s
